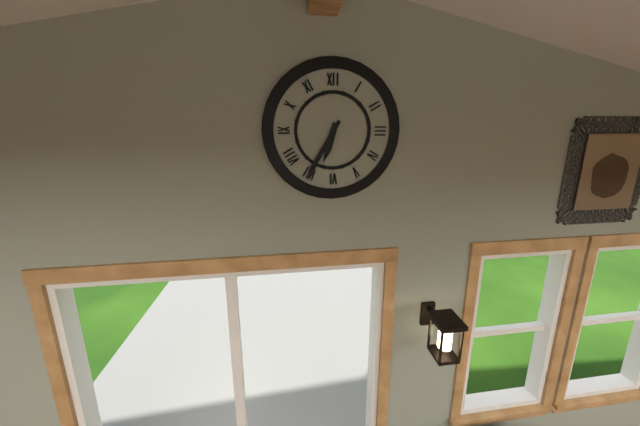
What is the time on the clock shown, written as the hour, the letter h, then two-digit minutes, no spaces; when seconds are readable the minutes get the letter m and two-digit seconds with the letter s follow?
6h35
